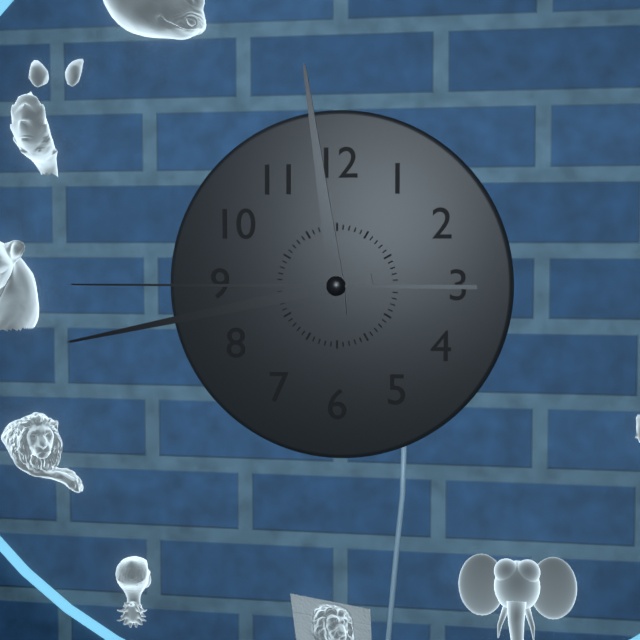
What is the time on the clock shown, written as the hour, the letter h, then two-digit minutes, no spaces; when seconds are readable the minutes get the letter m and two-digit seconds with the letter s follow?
11h43m45s
